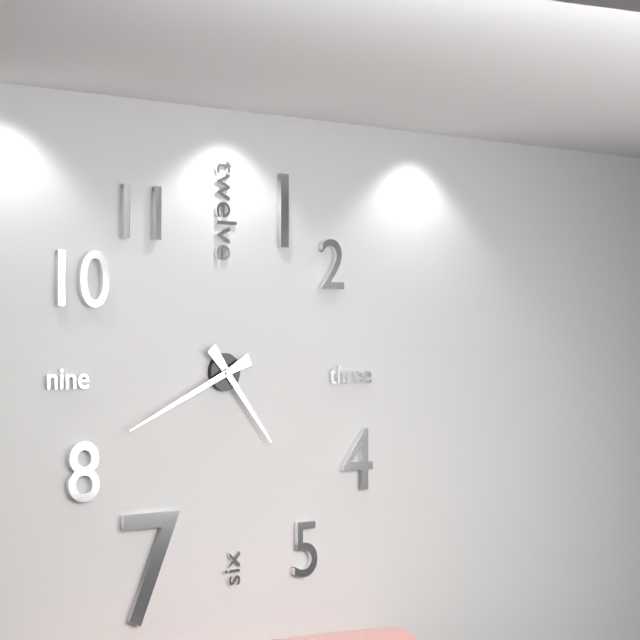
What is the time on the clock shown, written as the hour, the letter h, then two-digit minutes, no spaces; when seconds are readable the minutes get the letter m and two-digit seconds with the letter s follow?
4h41
